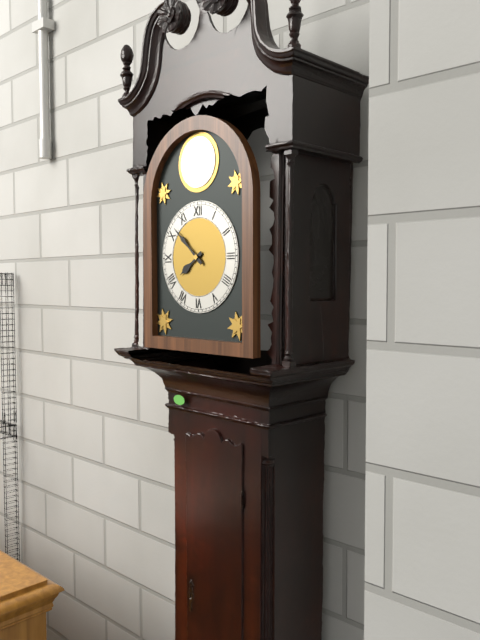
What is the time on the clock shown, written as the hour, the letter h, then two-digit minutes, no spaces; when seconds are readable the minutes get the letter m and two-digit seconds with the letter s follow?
7h52
